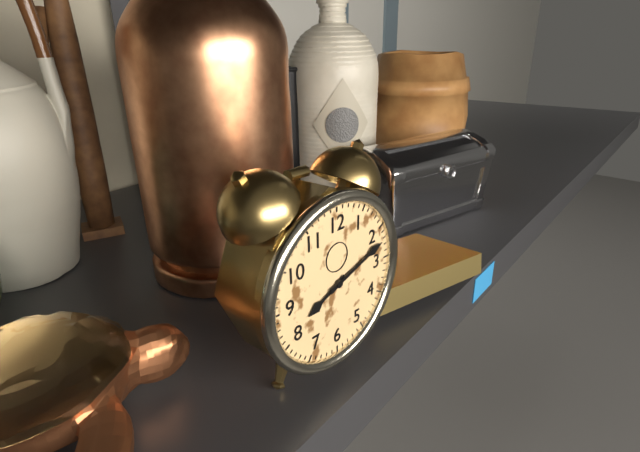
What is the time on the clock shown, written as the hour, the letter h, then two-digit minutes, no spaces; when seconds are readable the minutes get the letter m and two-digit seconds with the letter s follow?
8h12
